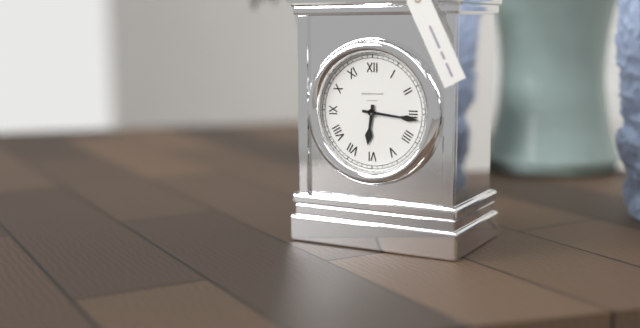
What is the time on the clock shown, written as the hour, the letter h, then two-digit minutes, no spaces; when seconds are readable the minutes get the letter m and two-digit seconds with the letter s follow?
6h16
